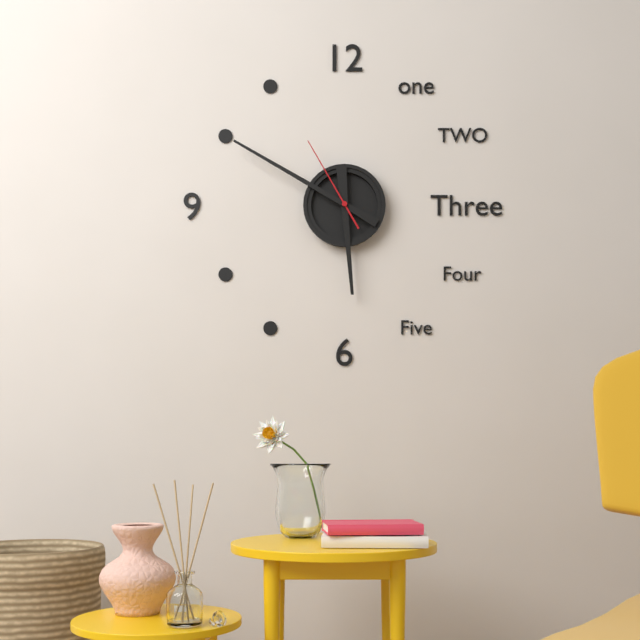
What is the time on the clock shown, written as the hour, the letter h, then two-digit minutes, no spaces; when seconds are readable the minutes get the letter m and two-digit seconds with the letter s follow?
5h50m55s
